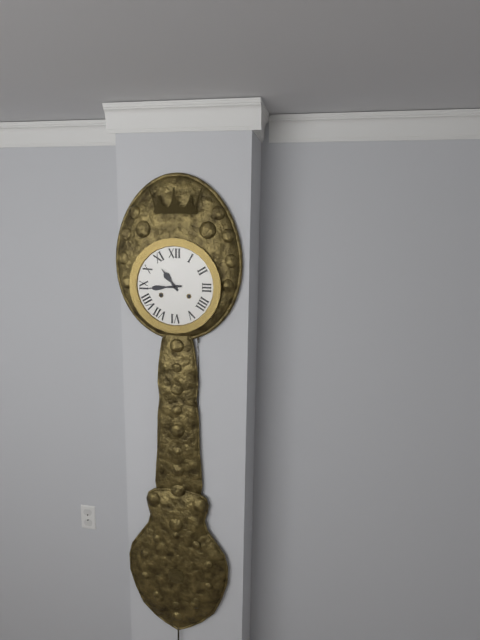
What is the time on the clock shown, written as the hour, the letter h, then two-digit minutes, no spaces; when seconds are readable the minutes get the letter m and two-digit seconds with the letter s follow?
10h44
